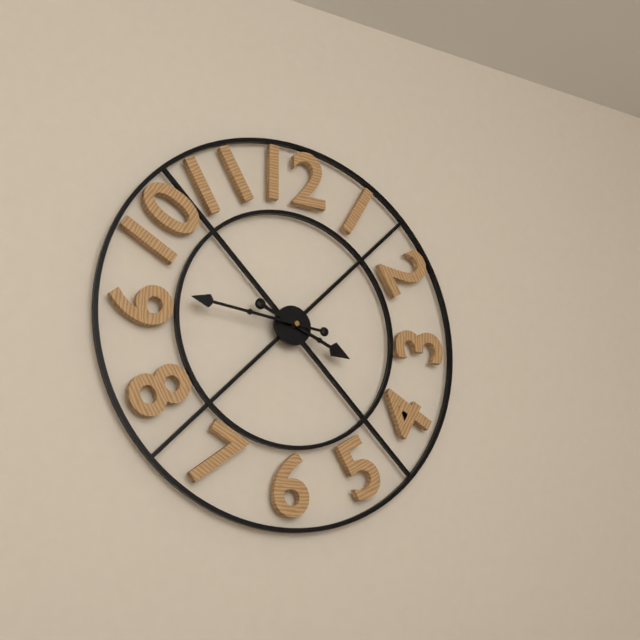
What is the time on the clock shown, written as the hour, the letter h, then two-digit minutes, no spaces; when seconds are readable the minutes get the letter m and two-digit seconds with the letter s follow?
3h46
